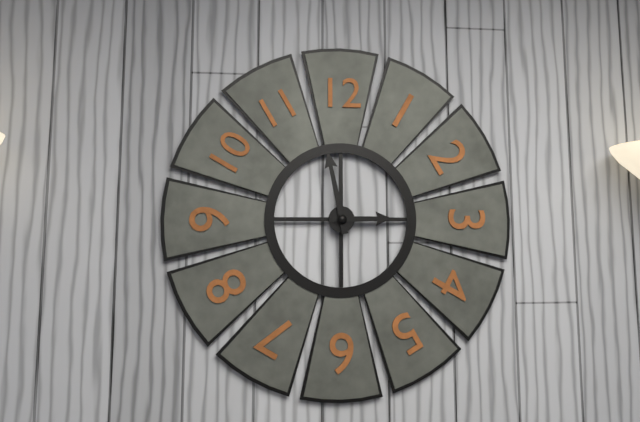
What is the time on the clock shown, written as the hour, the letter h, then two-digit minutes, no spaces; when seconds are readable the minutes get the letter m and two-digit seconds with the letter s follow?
2h58
